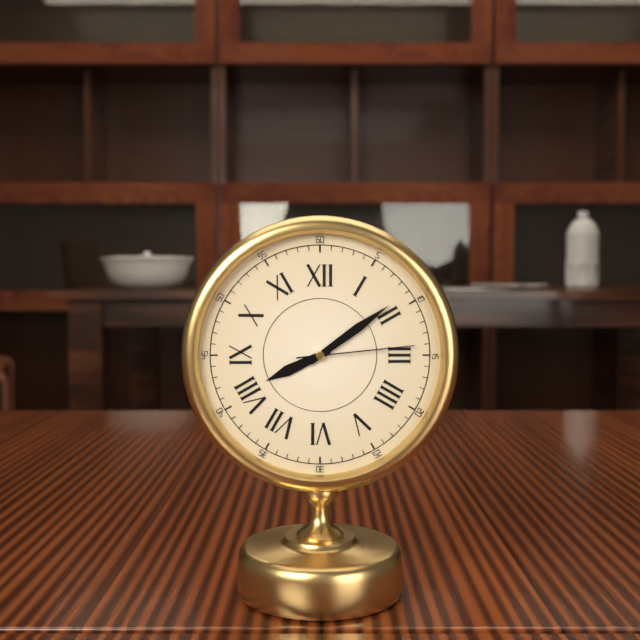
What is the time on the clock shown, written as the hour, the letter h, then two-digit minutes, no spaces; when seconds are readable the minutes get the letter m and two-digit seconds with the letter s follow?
8h09m14s
